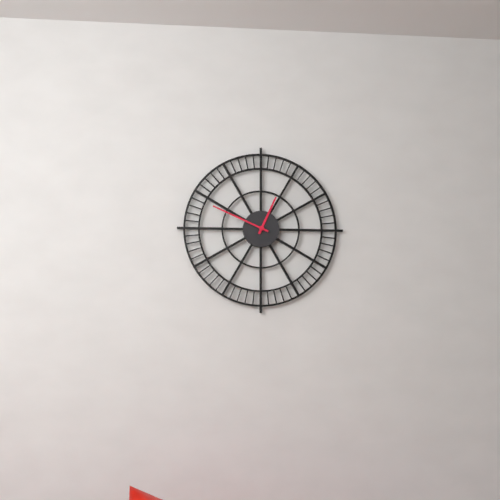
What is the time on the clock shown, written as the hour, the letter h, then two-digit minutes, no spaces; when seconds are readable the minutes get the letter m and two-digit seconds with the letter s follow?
12h49
